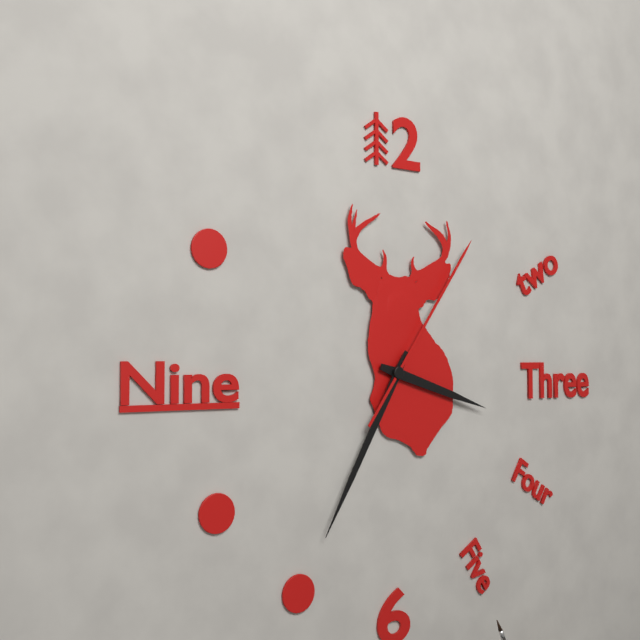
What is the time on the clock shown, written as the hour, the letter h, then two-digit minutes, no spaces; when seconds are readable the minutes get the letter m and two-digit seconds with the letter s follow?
3h35m06s
